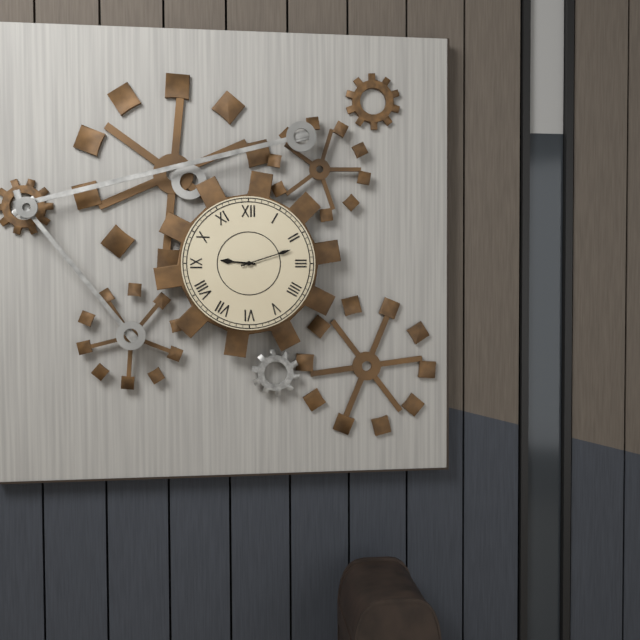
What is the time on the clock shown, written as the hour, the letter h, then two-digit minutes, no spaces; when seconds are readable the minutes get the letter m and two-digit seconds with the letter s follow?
9h12
